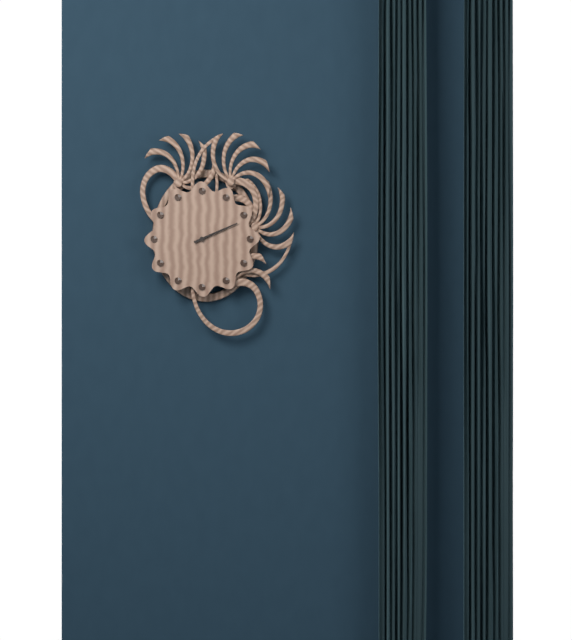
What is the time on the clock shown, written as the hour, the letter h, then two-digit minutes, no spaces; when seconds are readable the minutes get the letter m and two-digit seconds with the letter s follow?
2h11
